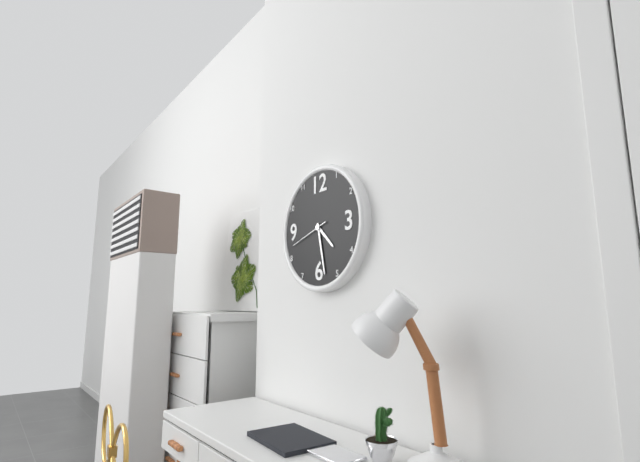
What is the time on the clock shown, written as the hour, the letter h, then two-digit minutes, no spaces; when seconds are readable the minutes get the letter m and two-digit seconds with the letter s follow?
4h28
